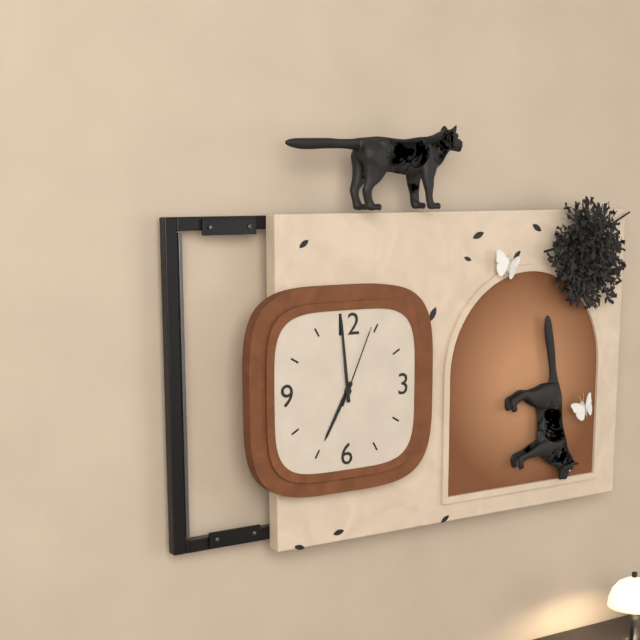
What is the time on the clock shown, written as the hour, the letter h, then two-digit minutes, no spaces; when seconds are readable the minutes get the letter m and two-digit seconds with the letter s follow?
6h59m04s
